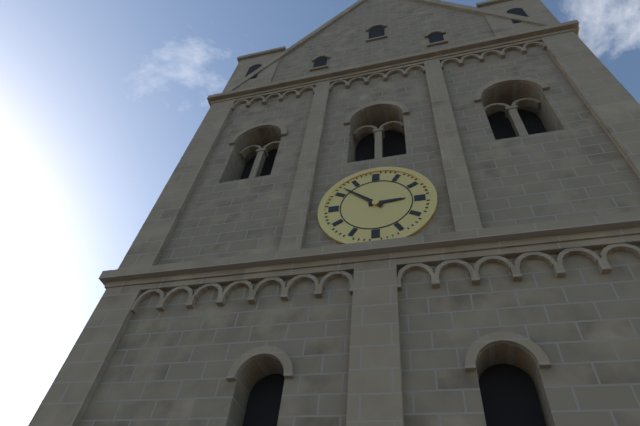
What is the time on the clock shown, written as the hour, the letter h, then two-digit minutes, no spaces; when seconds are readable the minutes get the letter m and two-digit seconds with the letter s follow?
2h52
